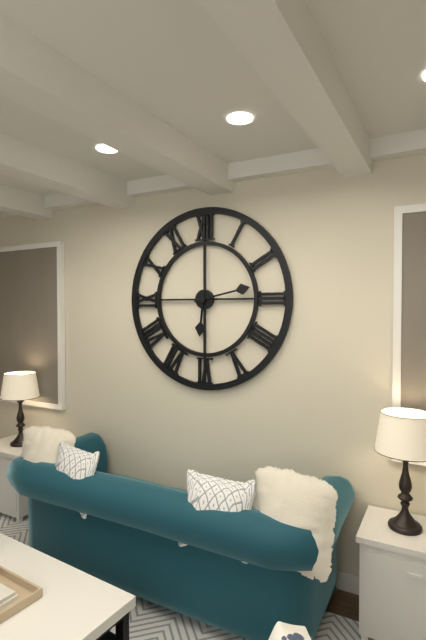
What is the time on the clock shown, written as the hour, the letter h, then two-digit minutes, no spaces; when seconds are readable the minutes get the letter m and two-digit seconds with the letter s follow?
6h13
